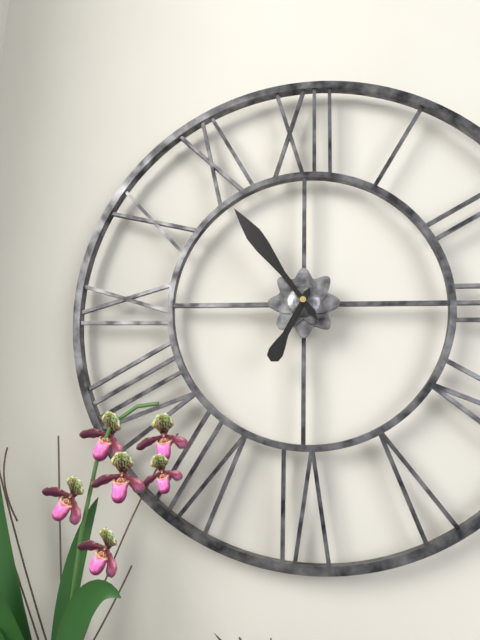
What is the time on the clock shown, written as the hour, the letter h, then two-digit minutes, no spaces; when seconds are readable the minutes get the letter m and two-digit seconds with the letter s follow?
6h54
